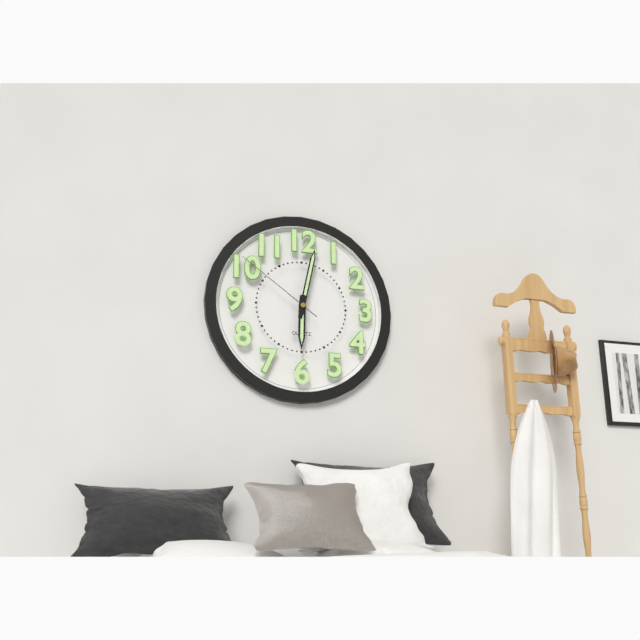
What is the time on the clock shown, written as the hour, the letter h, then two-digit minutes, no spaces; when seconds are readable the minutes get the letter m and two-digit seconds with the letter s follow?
6h02m51s
